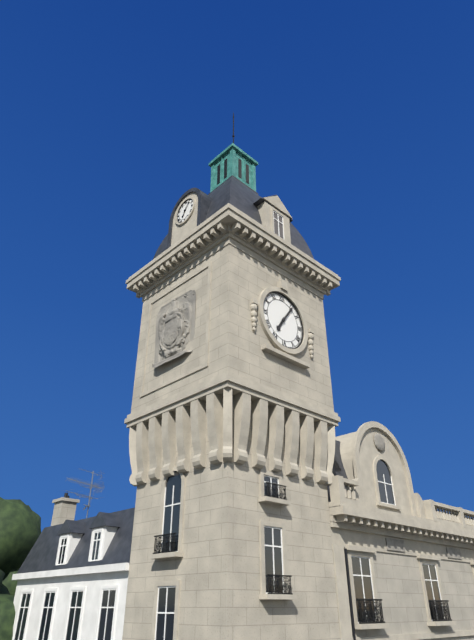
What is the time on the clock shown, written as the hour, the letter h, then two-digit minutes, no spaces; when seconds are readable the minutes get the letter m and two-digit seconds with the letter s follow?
7h06
